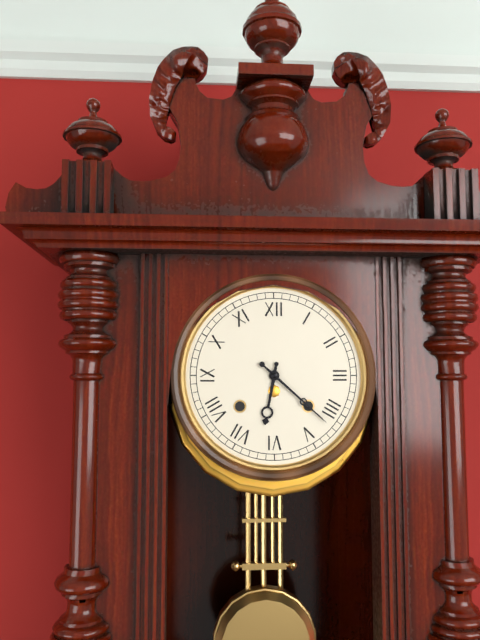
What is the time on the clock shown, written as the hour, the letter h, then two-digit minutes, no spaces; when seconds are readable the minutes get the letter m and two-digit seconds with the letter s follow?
6h22
